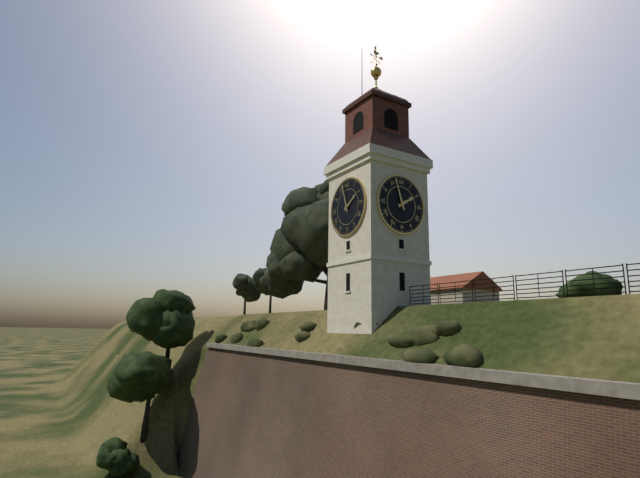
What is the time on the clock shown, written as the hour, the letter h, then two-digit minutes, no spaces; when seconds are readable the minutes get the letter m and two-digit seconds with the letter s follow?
1h57
